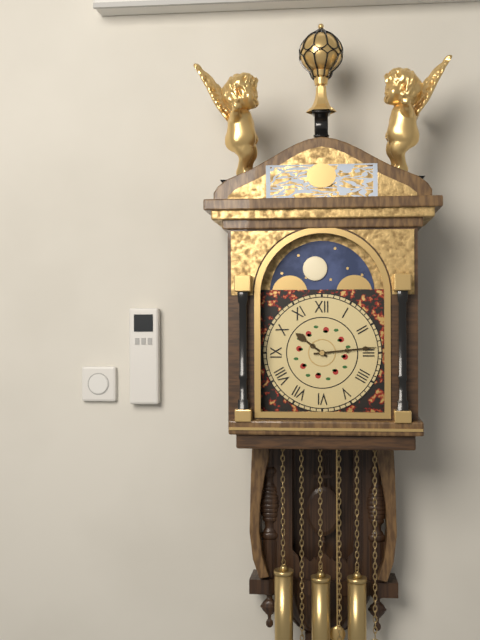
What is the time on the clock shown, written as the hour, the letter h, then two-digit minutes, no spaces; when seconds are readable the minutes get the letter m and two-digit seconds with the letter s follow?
10h14
